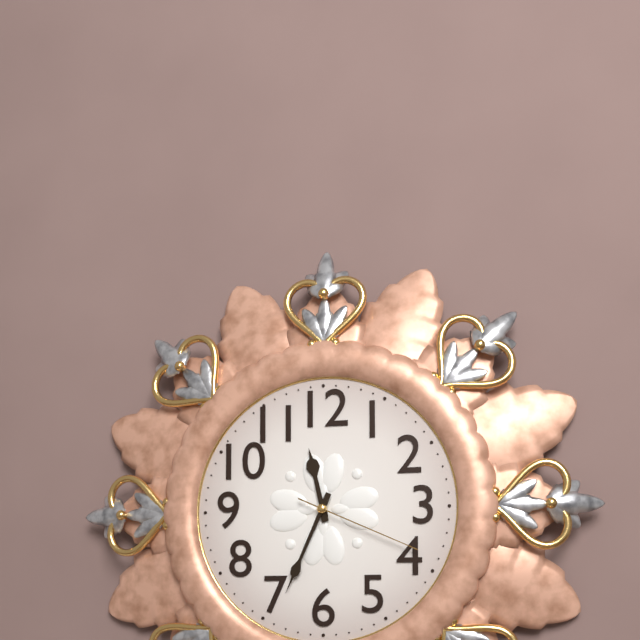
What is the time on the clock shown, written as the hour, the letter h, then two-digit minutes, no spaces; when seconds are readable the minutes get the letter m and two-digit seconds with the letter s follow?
11h34m19s
